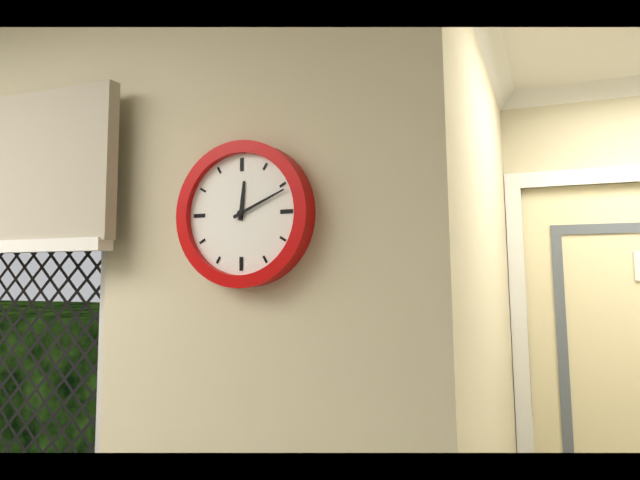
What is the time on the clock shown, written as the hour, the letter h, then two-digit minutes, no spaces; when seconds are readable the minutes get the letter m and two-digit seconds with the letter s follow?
12h11
